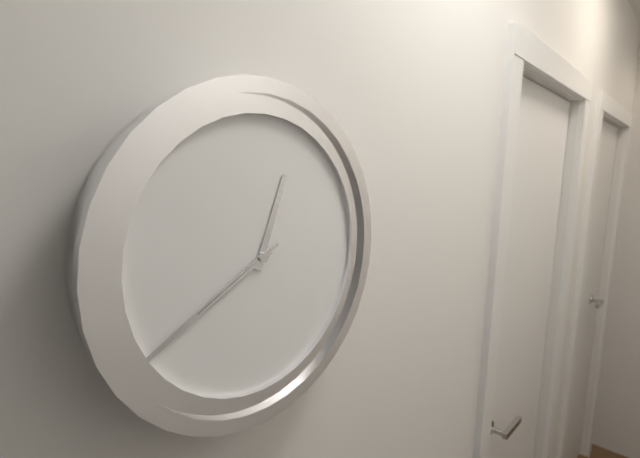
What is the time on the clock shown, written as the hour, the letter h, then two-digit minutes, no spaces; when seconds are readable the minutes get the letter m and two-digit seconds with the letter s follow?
12h40m40s
